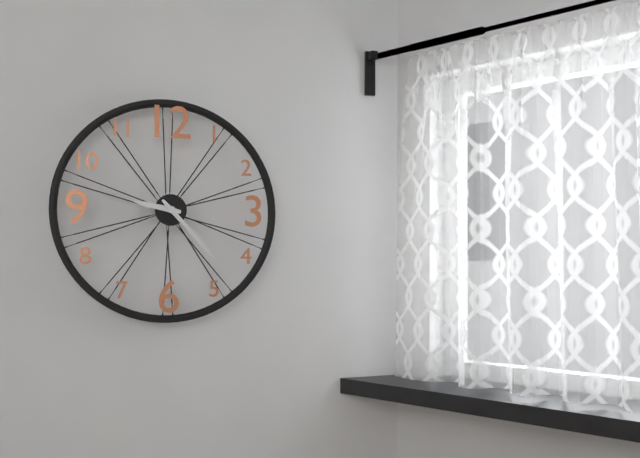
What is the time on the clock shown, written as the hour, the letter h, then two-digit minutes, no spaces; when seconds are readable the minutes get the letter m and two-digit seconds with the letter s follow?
9h23
